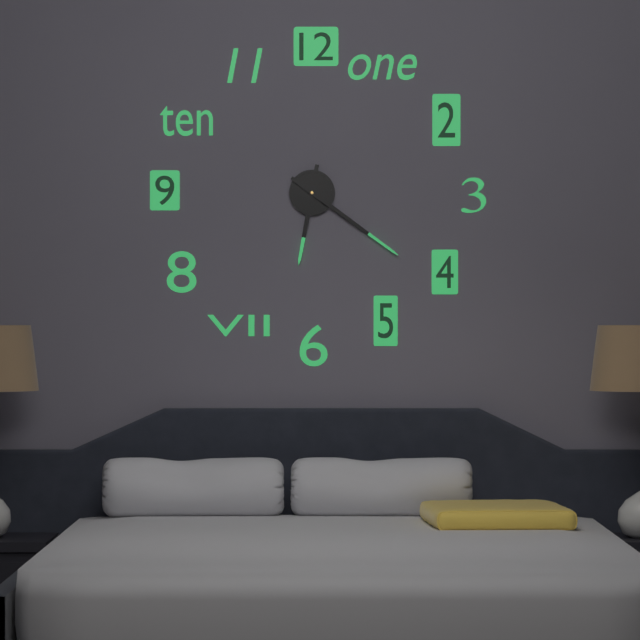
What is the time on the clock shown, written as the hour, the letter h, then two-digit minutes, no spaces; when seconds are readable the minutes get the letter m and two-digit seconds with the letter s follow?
6h21
